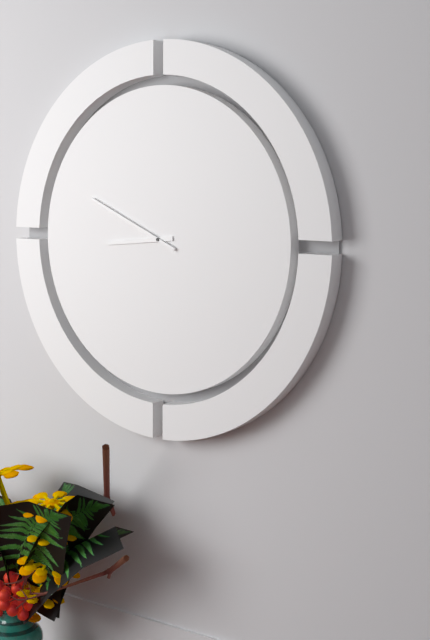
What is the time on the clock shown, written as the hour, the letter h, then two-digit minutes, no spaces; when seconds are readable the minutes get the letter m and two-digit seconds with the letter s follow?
8h49
